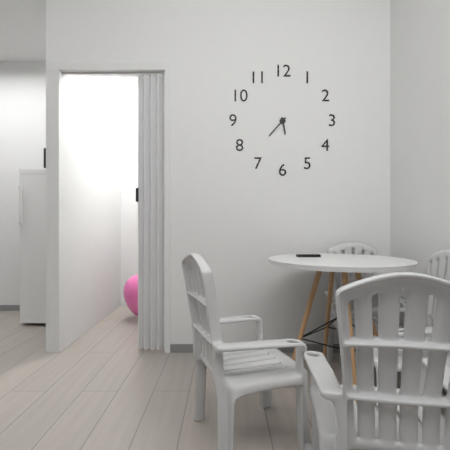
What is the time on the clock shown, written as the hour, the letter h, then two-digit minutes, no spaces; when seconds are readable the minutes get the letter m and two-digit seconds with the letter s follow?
5h37
